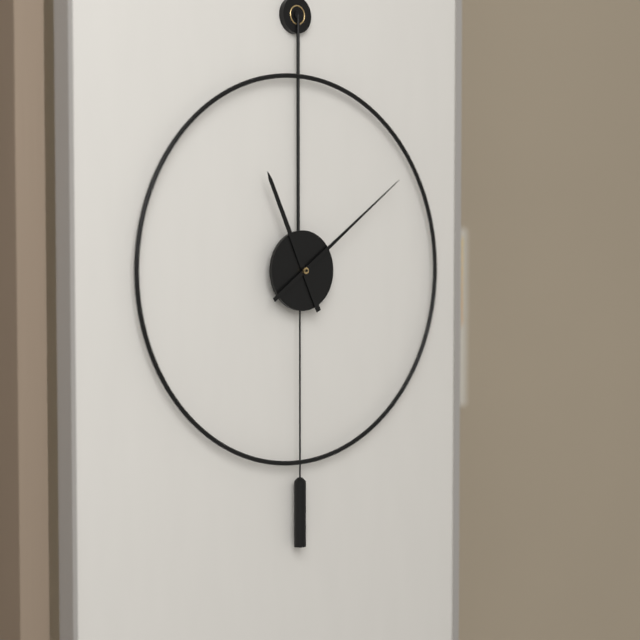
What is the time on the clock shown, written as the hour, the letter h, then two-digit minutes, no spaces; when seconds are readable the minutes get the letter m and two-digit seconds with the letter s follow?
11h09
